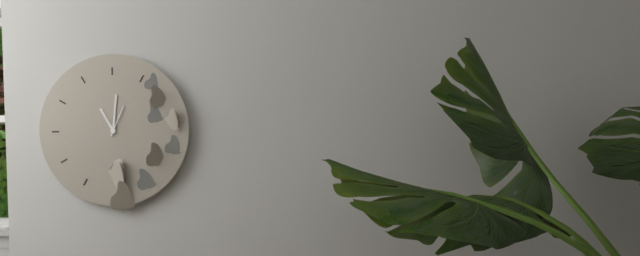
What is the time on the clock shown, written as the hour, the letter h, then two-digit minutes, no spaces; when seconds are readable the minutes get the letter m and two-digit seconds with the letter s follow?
11h01
